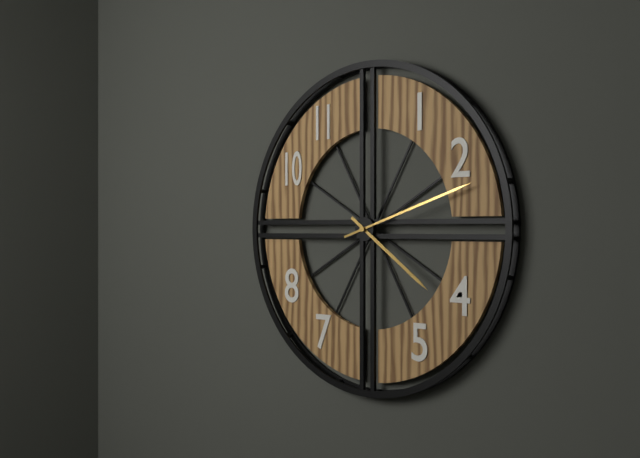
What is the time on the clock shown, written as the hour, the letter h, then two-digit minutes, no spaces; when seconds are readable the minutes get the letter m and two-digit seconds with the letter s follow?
4h12
